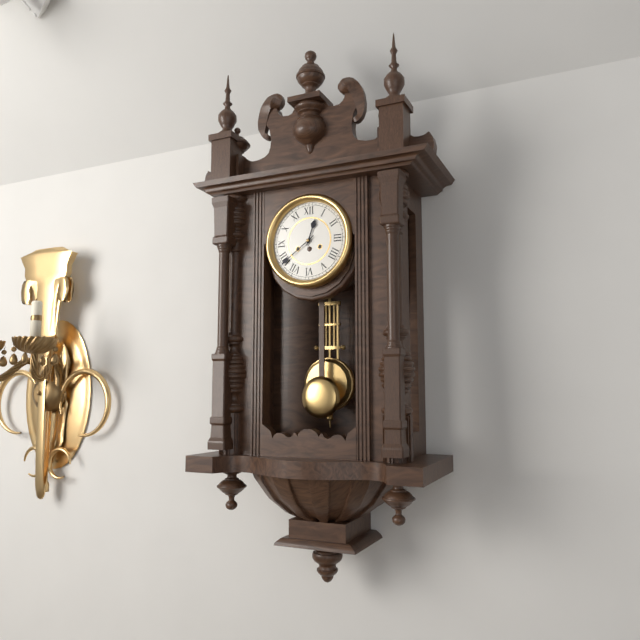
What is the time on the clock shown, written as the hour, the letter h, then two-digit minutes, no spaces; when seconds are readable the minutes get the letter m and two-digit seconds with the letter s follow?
12h39
